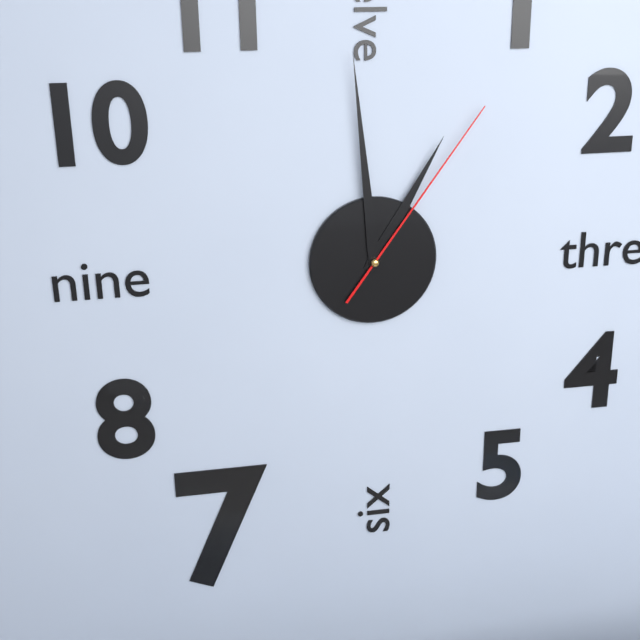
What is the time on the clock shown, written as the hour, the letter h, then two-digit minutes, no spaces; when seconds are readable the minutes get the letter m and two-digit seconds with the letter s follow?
12h59m06s
